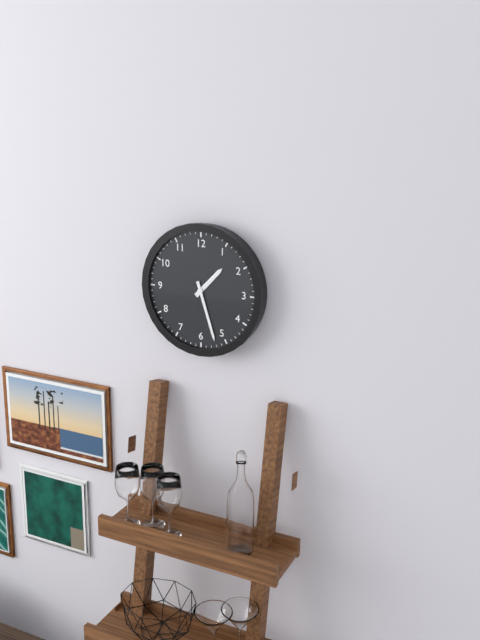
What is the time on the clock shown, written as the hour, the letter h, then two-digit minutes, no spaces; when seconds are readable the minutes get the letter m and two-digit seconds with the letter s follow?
1h27
